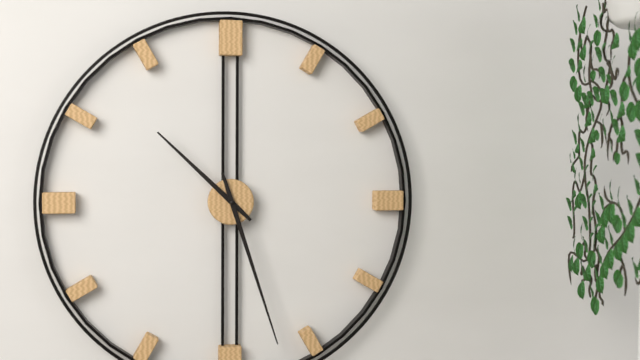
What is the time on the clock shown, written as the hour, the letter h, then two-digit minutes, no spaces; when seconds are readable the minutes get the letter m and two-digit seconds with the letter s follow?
10h27
